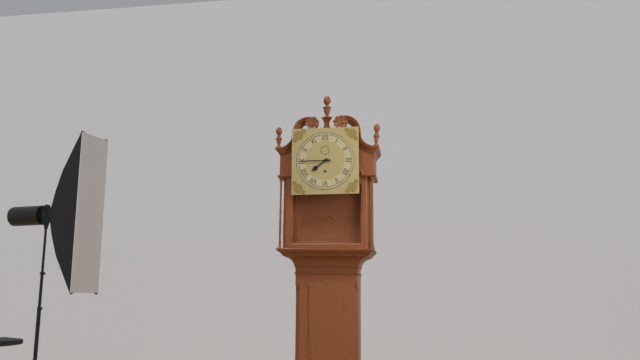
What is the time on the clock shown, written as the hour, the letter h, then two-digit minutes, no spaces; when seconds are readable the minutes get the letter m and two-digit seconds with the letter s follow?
7h45
